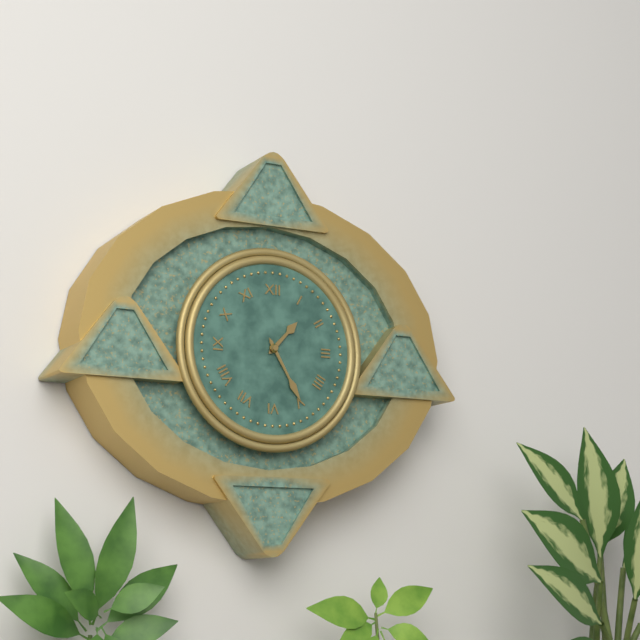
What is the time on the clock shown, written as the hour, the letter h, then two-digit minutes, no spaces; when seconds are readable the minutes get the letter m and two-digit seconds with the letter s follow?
1h25
